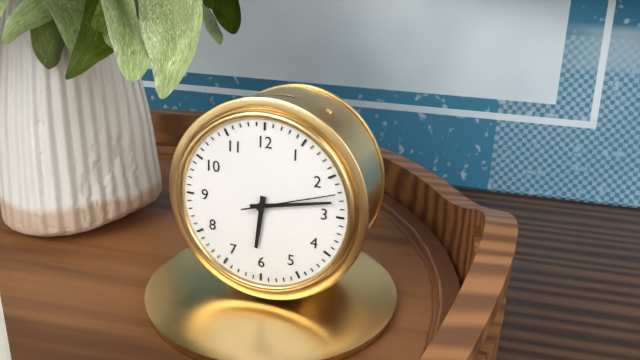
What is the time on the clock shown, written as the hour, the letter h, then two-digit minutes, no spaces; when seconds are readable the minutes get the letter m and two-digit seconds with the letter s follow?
6h13m12s
